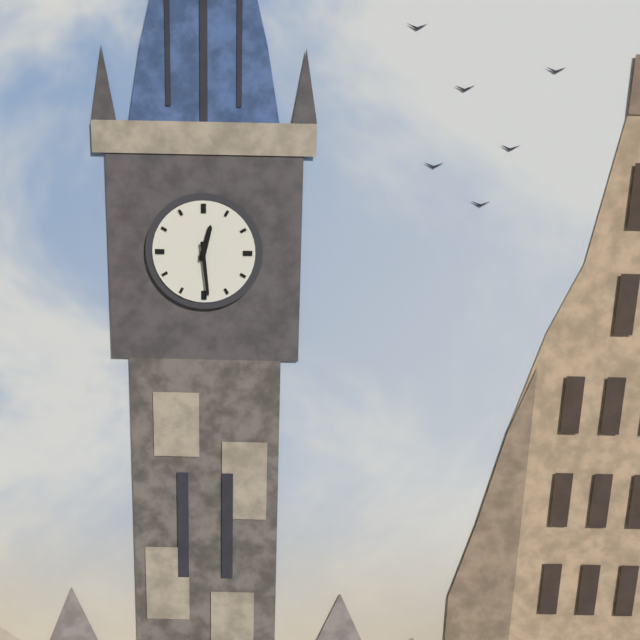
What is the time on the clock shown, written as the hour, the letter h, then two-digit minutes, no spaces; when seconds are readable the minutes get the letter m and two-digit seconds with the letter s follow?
12h29
